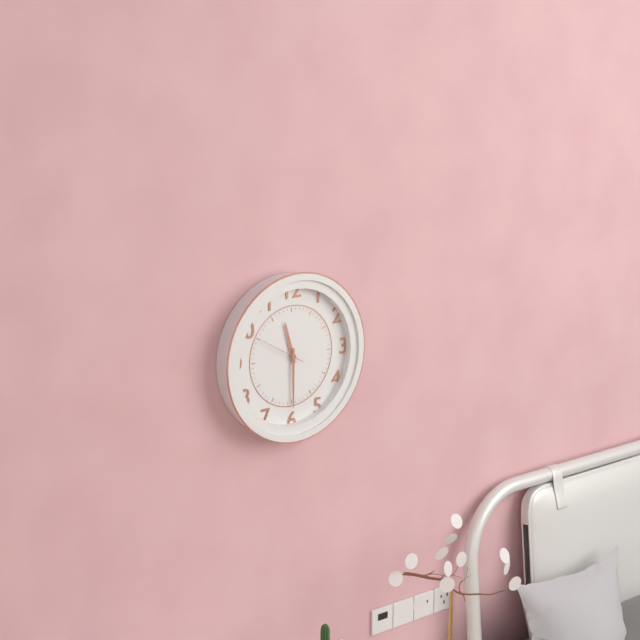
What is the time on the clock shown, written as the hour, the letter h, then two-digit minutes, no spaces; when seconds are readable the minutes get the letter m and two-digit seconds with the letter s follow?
11h30
